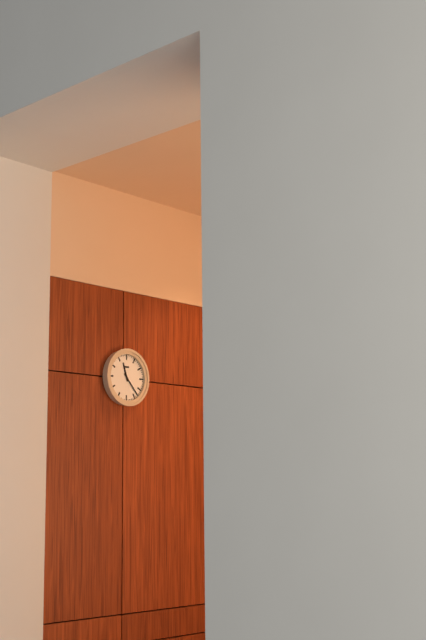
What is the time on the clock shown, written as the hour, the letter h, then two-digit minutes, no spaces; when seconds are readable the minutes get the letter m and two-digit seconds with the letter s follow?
11h23
